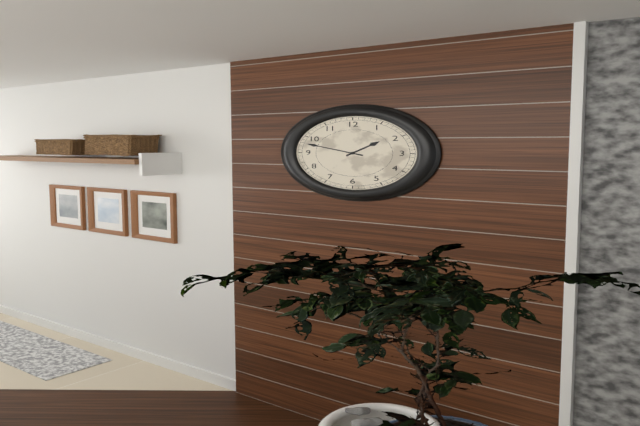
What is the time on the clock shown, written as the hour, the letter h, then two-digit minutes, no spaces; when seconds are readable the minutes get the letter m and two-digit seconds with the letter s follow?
1h48
